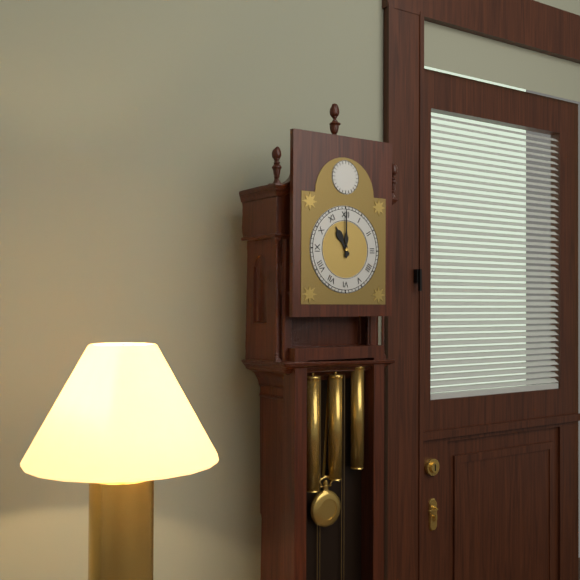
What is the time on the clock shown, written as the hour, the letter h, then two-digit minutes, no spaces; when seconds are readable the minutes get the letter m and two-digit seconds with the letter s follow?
11h00
